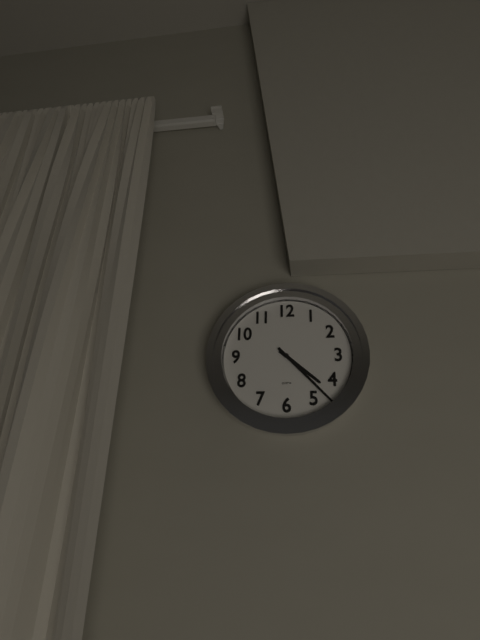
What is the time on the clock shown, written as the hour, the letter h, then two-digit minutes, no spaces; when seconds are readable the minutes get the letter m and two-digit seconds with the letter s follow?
4h23
